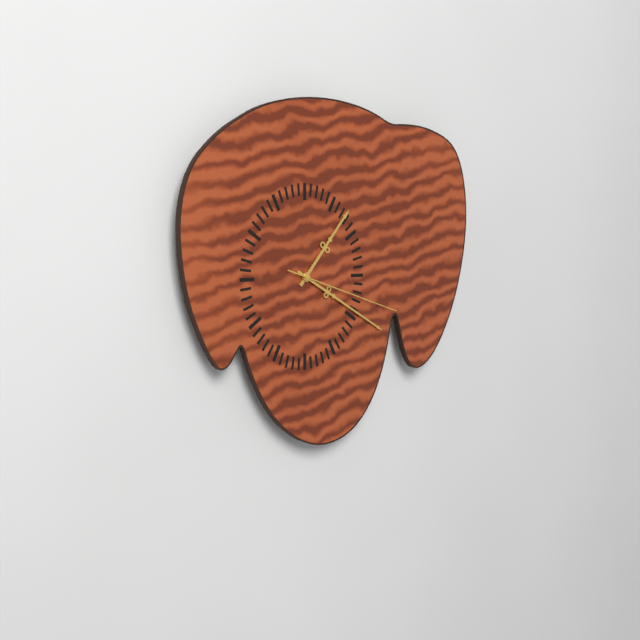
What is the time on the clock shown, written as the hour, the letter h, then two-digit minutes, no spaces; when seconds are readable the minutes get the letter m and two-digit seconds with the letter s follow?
1h20m18s
